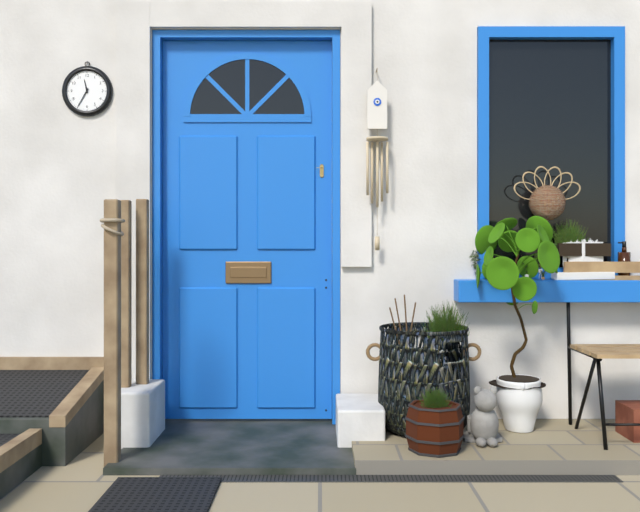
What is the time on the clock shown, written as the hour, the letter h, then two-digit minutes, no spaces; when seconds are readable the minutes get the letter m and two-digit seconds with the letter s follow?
11h35
